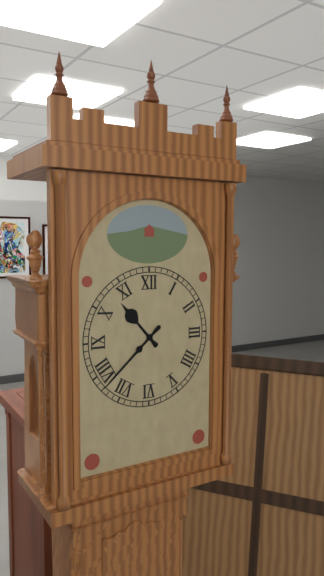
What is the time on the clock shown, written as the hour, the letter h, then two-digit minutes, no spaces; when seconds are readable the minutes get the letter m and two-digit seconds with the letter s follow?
10h38
